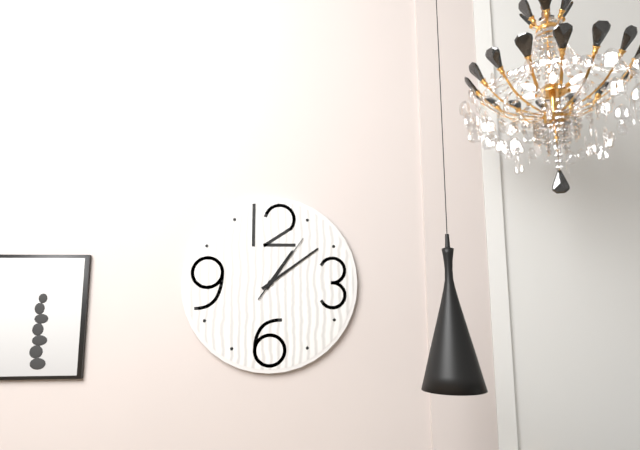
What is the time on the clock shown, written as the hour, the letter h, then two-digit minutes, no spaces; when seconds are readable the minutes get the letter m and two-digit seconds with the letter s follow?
1h09m06s
